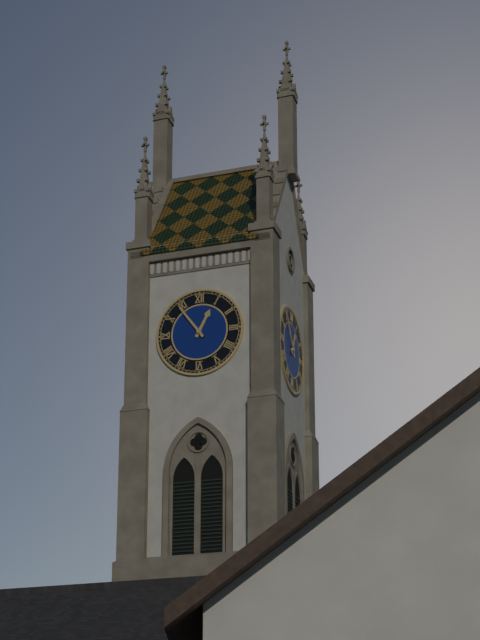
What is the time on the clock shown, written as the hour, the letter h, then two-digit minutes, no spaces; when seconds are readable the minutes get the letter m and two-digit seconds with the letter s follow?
12h54
